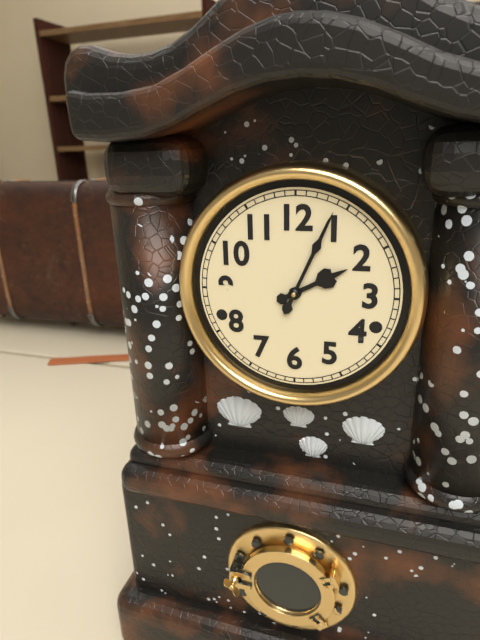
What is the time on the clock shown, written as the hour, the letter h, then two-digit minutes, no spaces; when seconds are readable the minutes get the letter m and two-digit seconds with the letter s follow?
2h04
